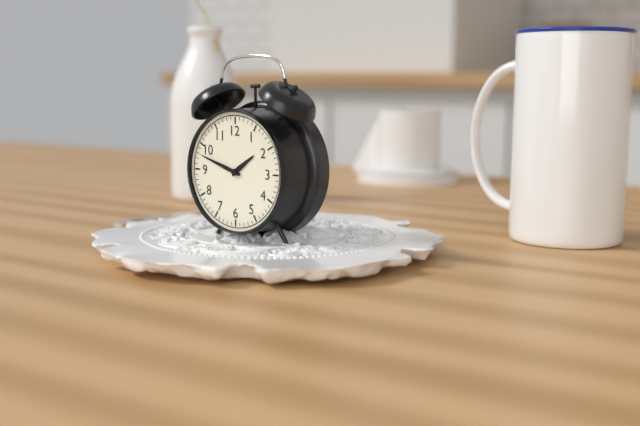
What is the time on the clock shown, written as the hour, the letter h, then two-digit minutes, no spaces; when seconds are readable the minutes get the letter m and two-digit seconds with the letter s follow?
1h48
